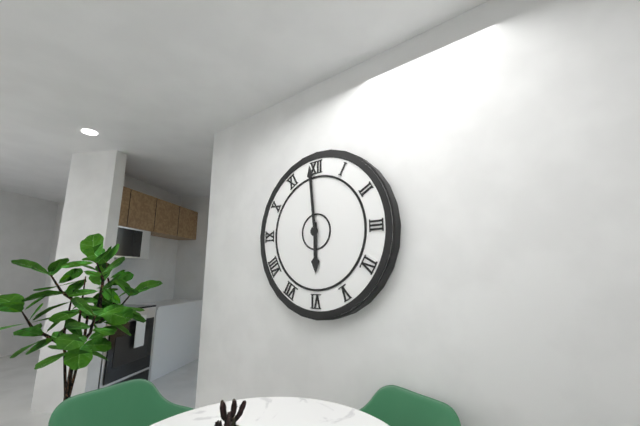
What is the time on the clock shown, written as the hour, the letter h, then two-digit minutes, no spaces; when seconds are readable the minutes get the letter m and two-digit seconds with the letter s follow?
5h59
